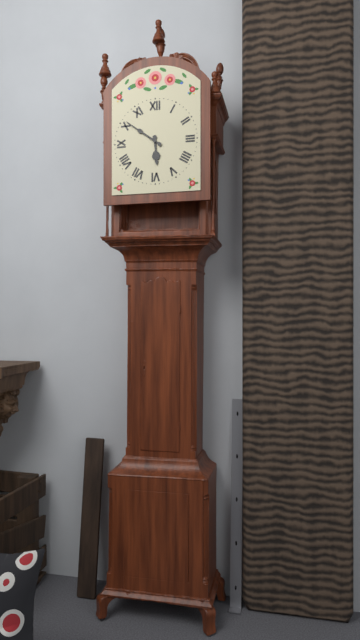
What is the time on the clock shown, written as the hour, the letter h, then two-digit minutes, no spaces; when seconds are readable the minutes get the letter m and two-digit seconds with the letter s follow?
5h51
